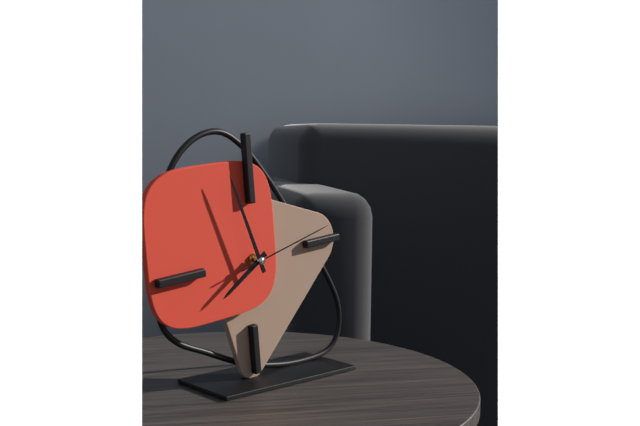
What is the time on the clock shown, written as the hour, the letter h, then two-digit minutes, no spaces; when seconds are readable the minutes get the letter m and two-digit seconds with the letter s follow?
7h57m13s
